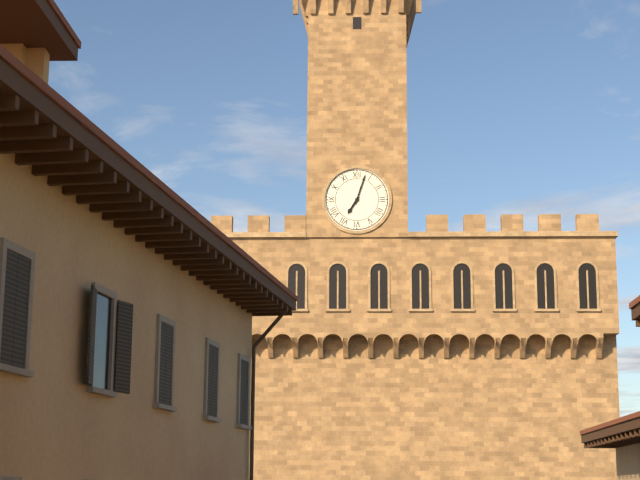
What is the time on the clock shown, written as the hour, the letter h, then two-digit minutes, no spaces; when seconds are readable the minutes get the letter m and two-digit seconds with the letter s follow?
7h03
